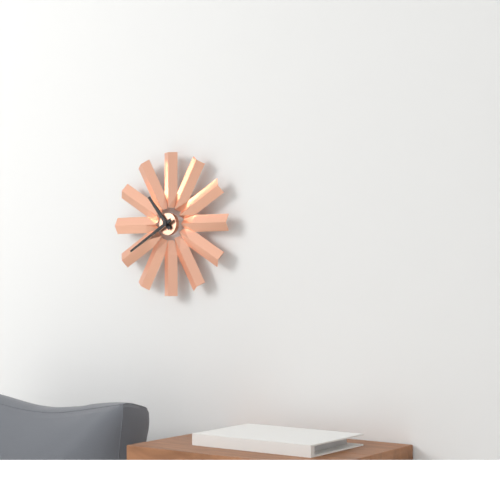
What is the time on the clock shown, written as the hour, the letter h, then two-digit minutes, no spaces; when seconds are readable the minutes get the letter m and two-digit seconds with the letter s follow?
10h40
